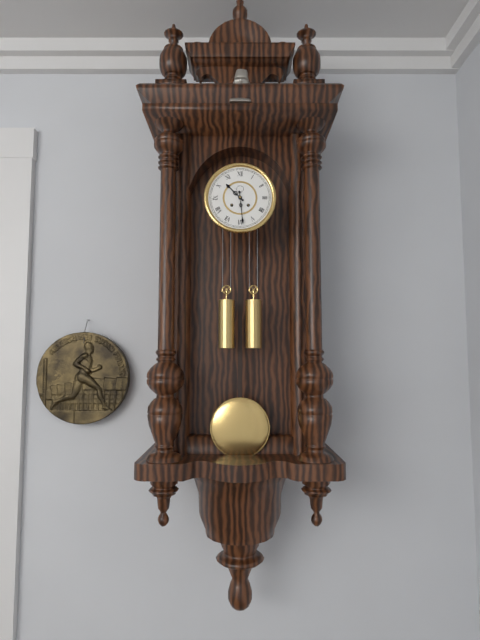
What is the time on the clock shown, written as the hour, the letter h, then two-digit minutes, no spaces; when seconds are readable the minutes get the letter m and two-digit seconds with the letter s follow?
10h29
